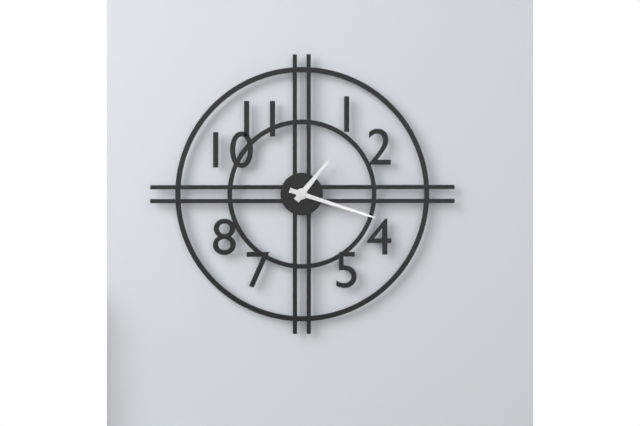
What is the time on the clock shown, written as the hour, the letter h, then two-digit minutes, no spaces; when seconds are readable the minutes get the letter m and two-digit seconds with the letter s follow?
1h18
